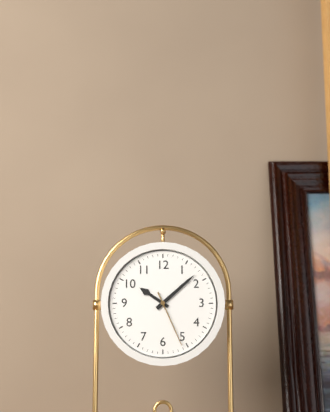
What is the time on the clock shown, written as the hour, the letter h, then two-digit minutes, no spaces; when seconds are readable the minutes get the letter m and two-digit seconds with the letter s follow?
10h08m26s
